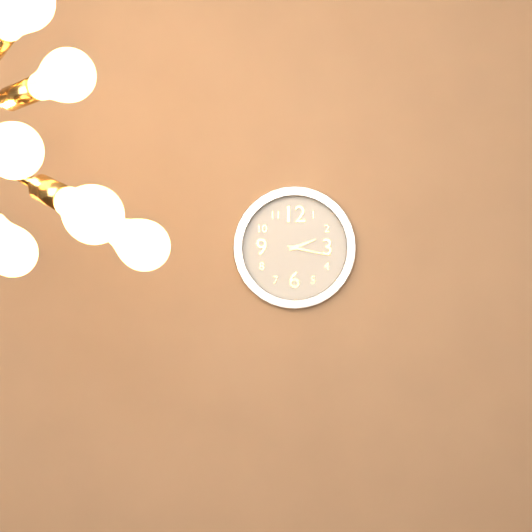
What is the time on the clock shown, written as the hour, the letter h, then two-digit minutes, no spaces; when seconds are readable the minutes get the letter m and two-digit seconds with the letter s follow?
2h17
